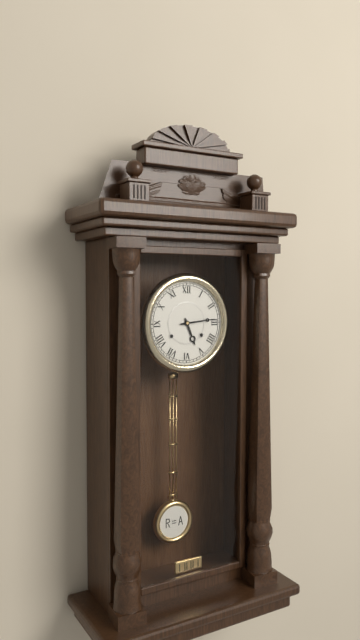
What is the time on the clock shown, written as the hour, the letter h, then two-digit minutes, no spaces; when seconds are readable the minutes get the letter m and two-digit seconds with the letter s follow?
5h14
